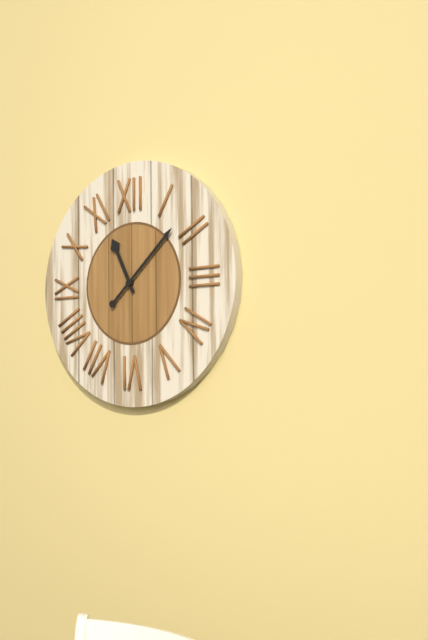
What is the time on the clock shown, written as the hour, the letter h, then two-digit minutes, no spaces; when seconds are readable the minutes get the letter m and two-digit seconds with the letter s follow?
11h08
